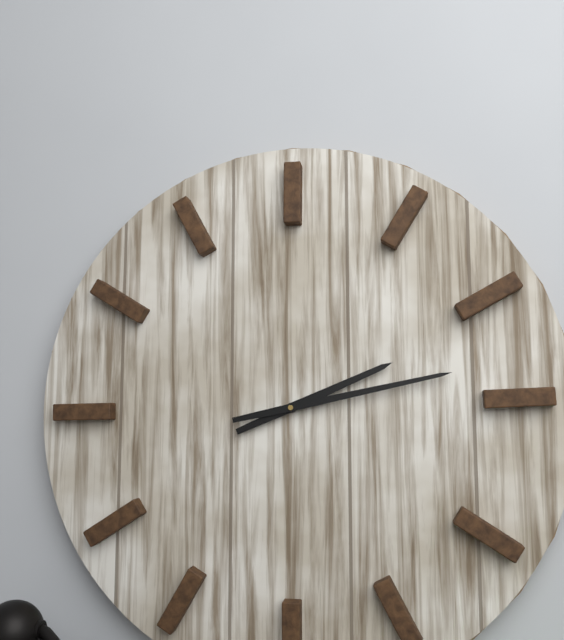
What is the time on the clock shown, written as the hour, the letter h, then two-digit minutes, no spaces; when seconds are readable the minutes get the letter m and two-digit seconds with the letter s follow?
2h13
